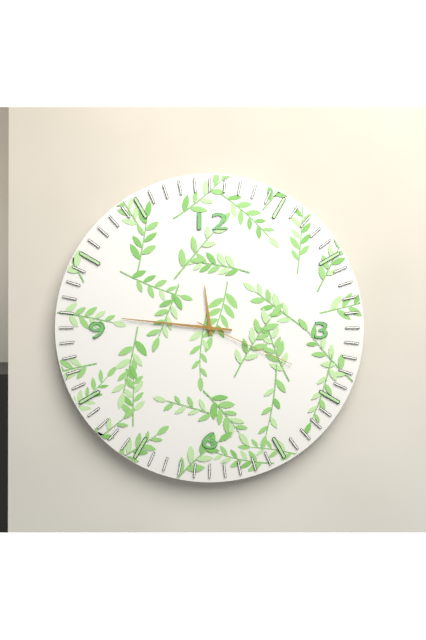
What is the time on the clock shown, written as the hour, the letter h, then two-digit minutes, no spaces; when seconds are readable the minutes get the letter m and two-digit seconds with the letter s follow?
11h46m19s
